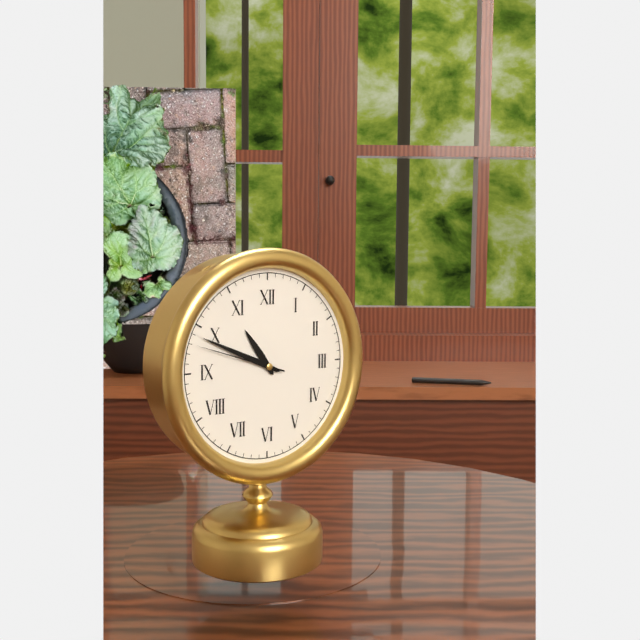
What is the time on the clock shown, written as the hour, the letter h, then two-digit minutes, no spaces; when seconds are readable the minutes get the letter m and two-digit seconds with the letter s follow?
10h49m48s
